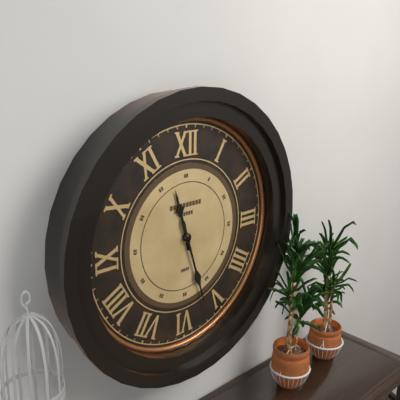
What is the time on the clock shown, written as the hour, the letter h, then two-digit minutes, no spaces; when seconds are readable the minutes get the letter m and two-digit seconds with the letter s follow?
11h27
